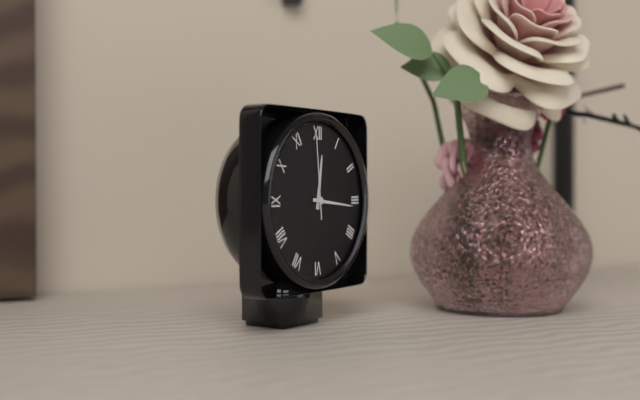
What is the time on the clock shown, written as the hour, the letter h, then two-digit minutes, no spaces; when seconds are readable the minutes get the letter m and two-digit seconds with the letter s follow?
12h16m59s
